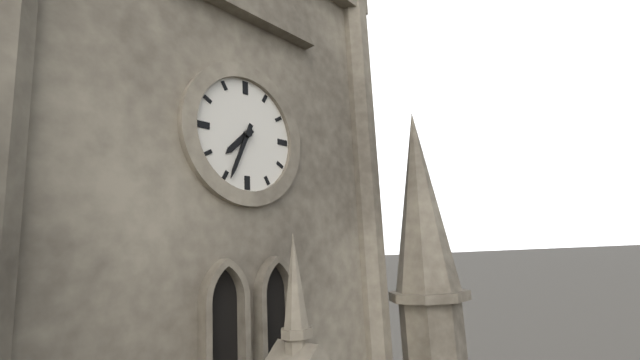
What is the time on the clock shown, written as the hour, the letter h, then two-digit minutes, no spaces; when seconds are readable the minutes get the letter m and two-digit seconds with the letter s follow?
7h34
